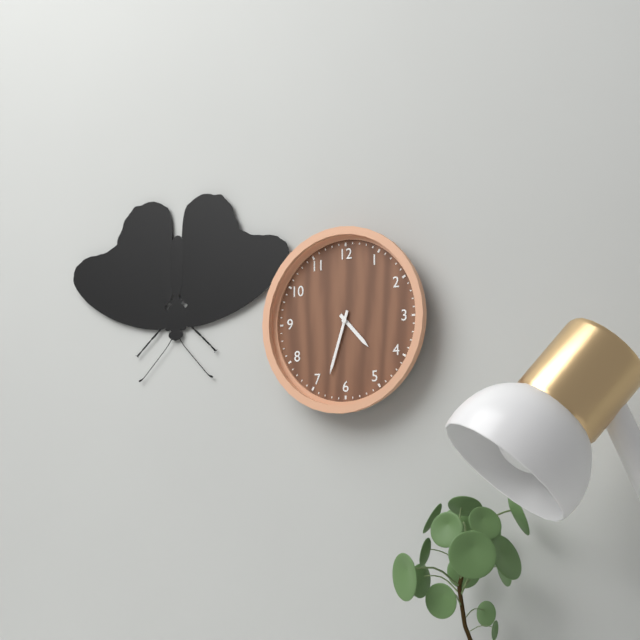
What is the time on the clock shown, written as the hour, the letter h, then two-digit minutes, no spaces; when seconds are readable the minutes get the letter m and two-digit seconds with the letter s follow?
4h33
